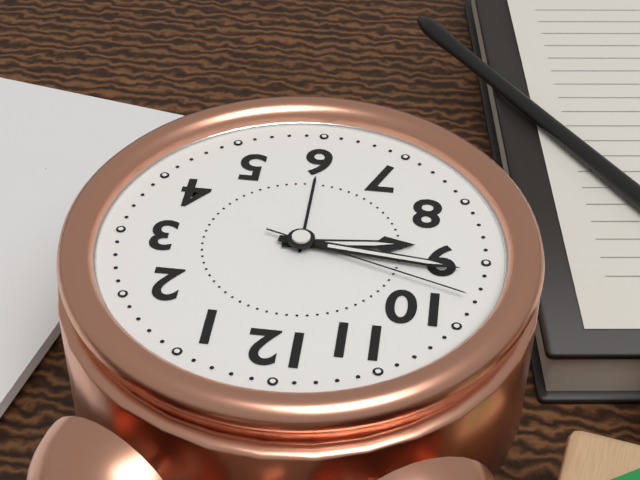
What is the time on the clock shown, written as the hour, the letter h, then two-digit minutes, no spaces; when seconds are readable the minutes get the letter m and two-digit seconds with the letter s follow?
8h46m48s
